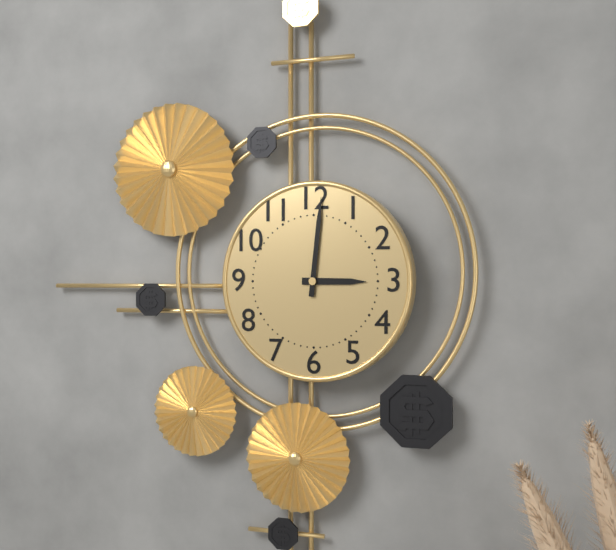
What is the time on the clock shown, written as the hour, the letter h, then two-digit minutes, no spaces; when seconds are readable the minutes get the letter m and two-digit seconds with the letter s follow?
3h01
